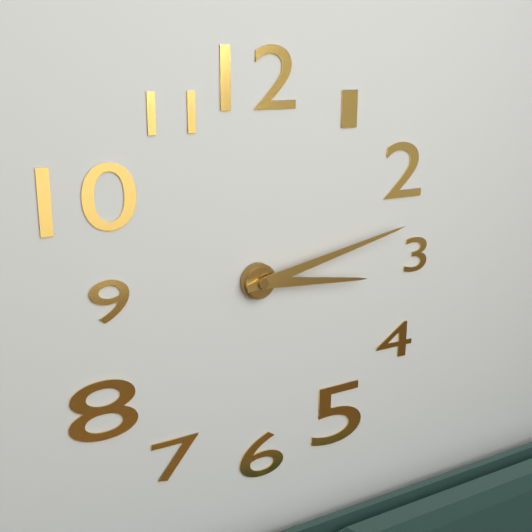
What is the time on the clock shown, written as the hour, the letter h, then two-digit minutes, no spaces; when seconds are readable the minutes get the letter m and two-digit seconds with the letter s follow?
3h13
